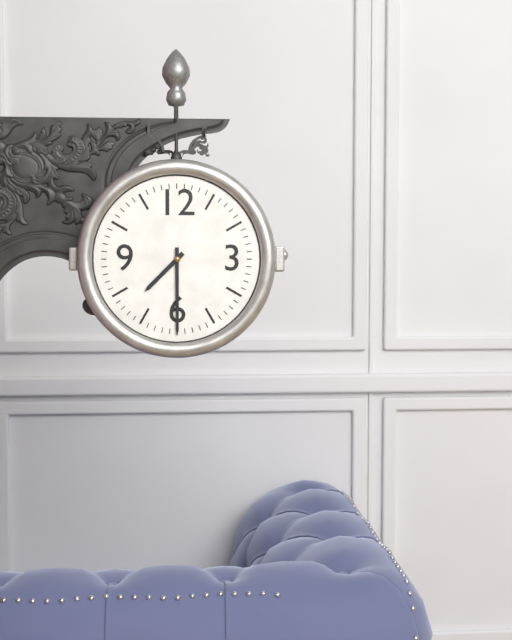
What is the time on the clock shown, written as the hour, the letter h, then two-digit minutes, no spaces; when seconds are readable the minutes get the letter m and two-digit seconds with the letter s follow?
7h30
